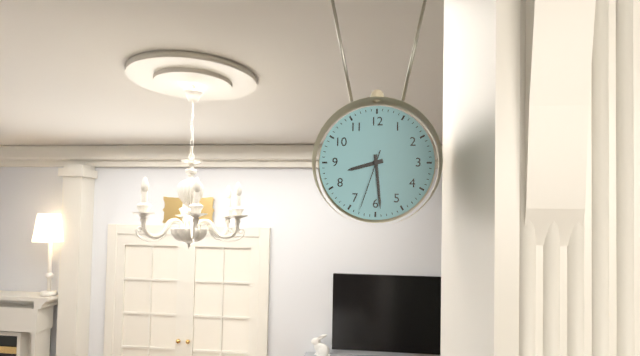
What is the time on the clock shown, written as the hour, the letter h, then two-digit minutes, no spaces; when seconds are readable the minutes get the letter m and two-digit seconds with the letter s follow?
8h29m33s
